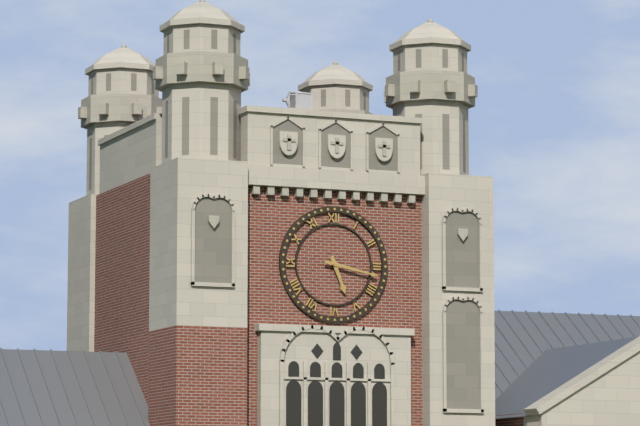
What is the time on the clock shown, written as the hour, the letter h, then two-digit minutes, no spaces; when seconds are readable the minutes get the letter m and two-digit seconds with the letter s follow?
5h17
